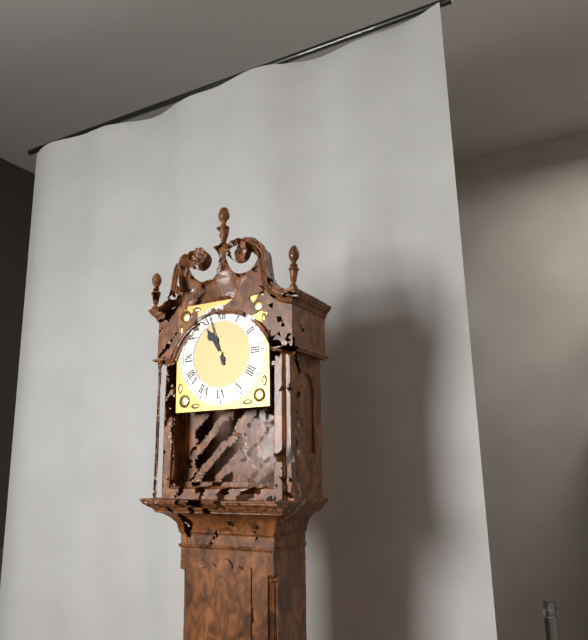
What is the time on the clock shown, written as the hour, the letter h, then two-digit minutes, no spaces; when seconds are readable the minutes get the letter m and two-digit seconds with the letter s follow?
10h57
